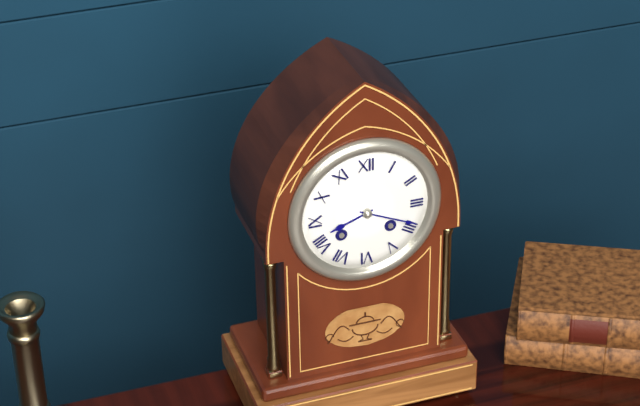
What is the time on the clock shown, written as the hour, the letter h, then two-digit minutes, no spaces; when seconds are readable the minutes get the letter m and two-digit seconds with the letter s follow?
8h19
